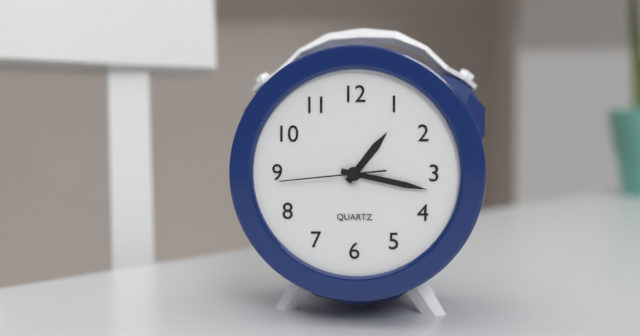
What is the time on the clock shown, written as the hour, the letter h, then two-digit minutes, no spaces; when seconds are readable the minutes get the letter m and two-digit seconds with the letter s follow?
1h17m44s
